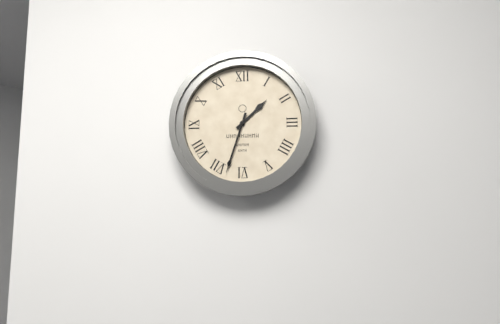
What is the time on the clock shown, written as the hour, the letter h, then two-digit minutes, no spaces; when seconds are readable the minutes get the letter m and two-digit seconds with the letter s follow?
1h33
